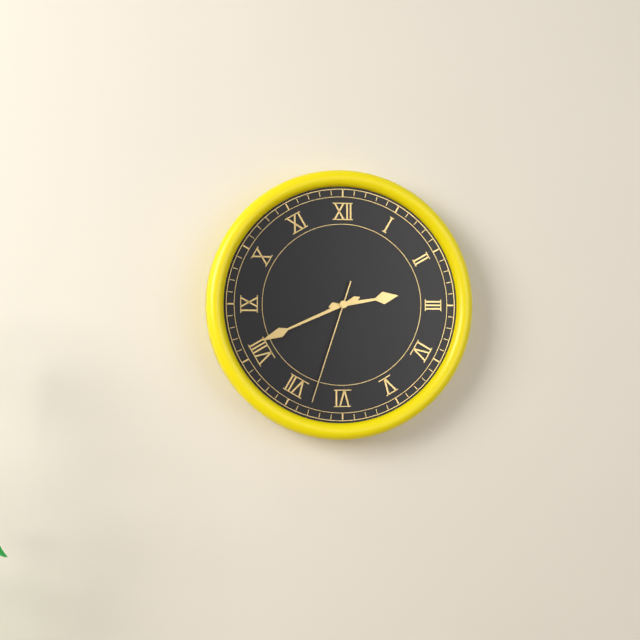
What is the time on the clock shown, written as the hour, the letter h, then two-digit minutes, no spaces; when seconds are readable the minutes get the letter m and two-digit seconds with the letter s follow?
2h41m33s
